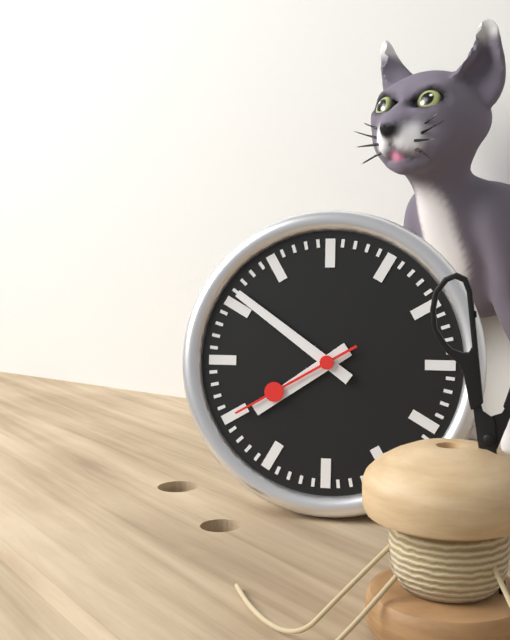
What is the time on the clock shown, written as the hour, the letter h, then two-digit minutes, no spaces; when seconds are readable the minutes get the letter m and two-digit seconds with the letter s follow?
7h51m40s
